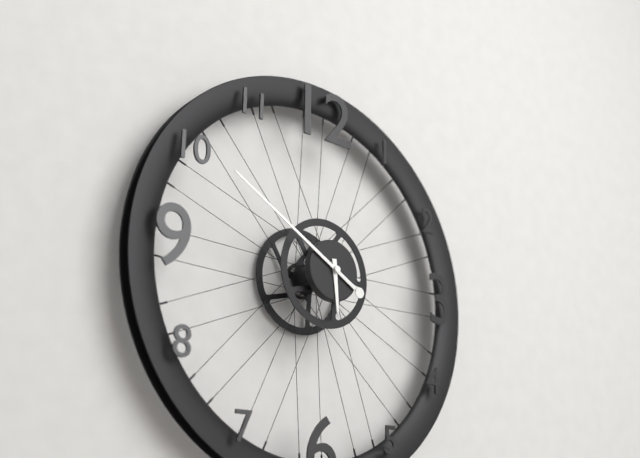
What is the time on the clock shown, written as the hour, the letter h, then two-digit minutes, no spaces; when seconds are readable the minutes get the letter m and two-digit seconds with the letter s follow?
5h50
